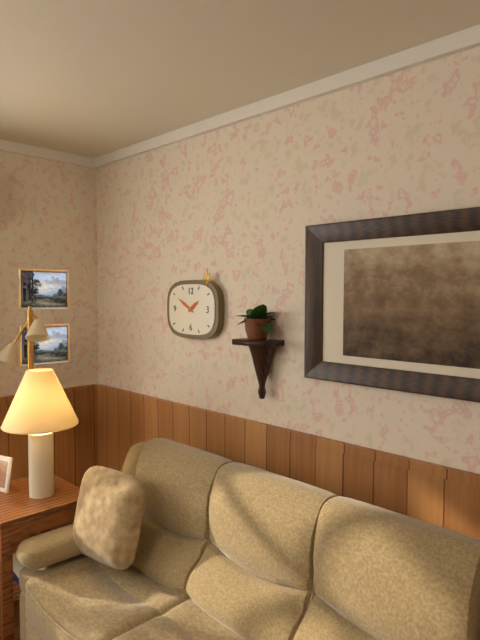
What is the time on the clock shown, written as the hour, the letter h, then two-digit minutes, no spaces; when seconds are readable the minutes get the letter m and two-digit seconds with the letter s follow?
1h50
